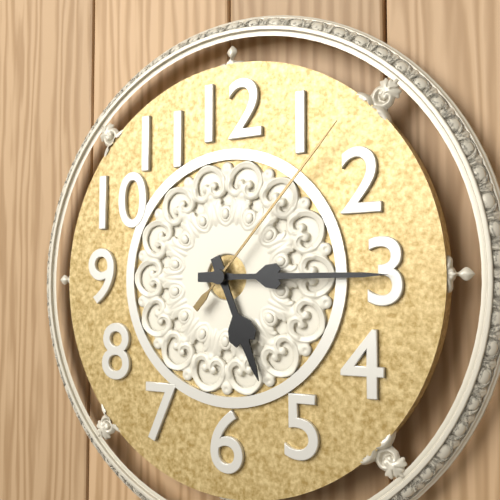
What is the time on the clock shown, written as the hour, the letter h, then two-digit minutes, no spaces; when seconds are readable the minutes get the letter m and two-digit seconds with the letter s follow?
5h15m07s
